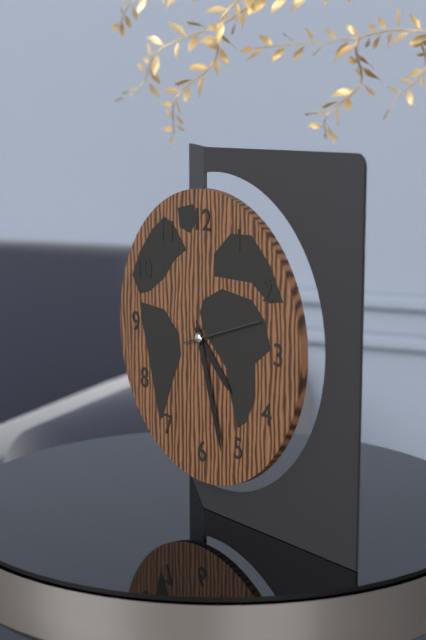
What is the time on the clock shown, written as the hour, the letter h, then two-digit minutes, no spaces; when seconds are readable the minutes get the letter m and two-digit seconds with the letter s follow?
4h27m12s
